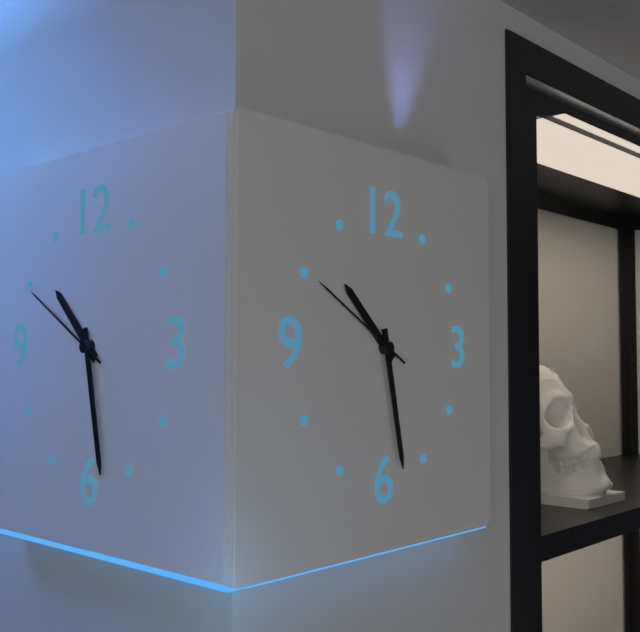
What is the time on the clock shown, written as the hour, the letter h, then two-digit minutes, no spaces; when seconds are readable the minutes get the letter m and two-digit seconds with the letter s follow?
10h28m50s
